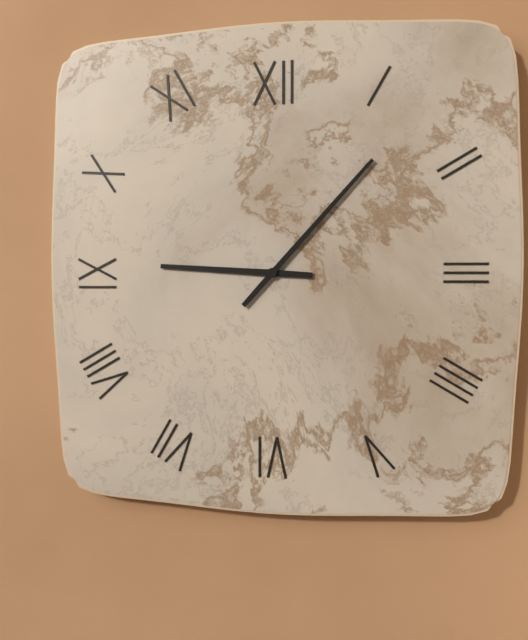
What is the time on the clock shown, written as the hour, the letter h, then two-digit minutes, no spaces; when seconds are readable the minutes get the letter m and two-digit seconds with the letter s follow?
9h07
